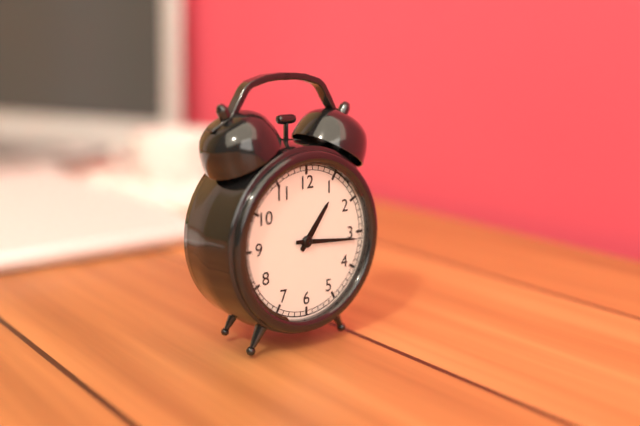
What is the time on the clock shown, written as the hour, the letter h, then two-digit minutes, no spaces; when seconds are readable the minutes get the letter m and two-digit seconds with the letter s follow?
1h16
